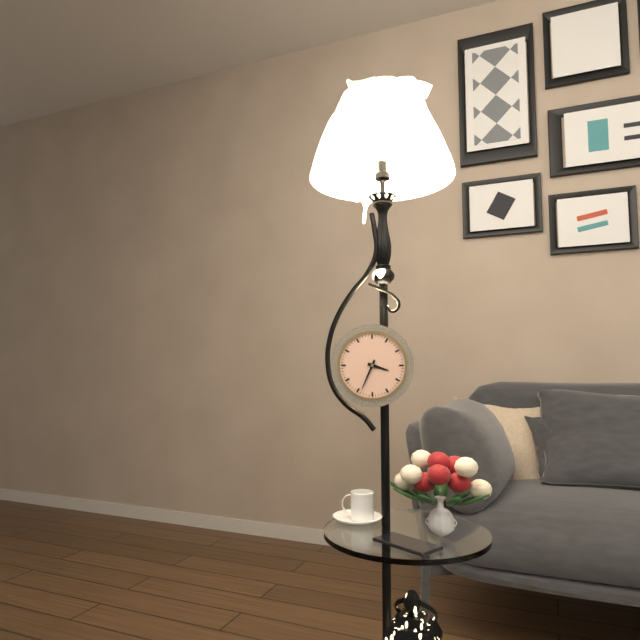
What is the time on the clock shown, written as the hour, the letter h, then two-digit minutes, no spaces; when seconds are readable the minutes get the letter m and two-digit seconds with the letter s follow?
3h34
